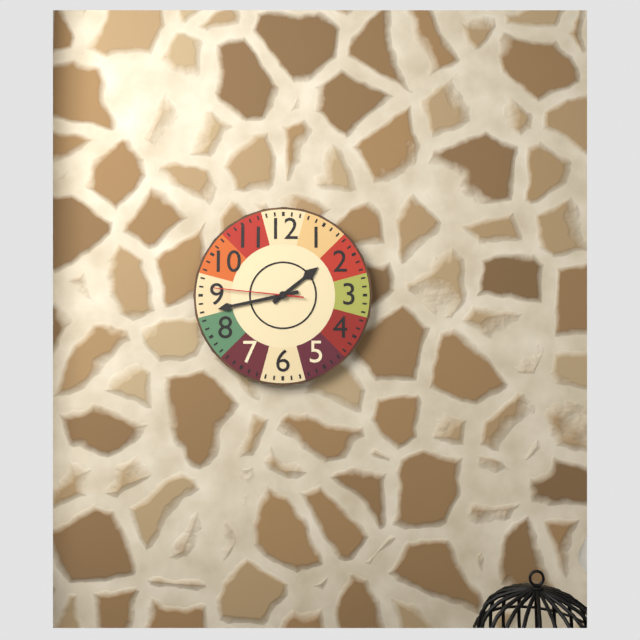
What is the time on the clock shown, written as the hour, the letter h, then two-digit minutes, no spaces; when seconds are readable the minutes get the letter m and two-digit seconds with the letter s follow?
1h43m46s
